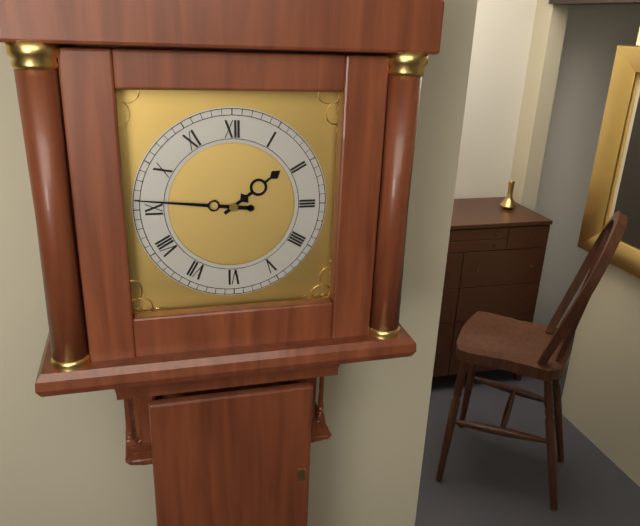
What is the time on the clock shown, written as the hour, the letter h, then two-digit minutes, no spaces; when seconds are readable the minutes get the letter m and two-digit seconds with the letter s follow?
1h46
